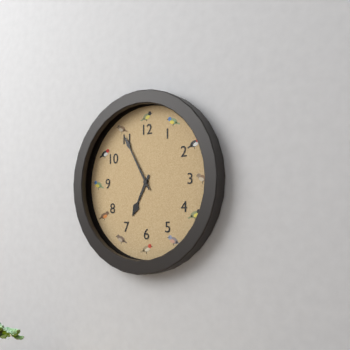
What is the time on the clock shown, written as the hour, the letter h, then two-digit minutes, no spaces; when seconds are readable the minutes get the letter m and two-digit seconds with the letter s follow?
6h55
